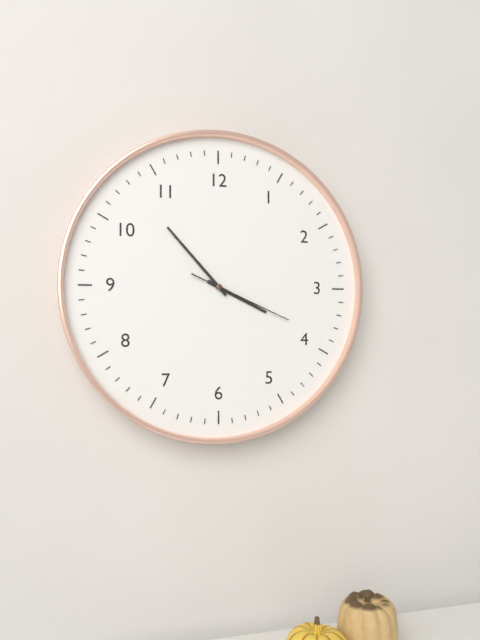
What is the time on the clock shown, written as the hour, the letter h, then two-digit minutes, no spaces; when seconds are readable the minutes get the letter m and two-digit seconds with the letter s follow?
3h53m19s
